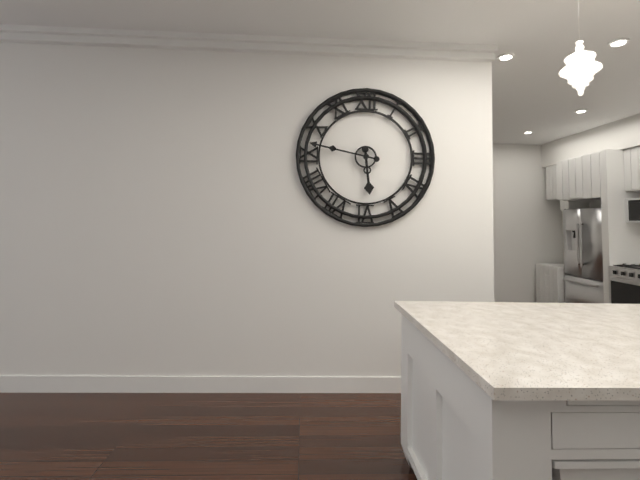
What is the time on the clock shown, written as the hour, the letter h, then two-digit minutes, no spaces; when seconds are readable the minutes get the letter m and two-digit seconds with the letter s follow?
5h47
